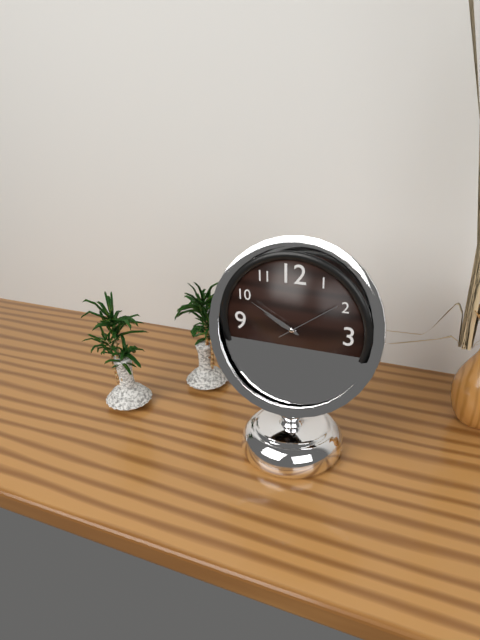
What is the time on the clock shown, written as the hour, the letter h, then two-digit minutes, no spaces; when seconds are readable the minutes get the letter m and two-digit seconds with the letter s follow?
9h50m09s
